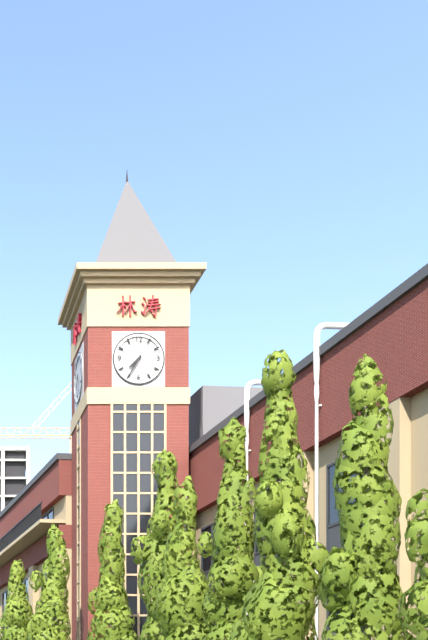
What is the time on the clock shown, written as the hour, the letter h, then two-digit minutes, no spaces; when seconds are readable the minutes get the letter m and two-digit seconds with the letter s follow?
7h35
